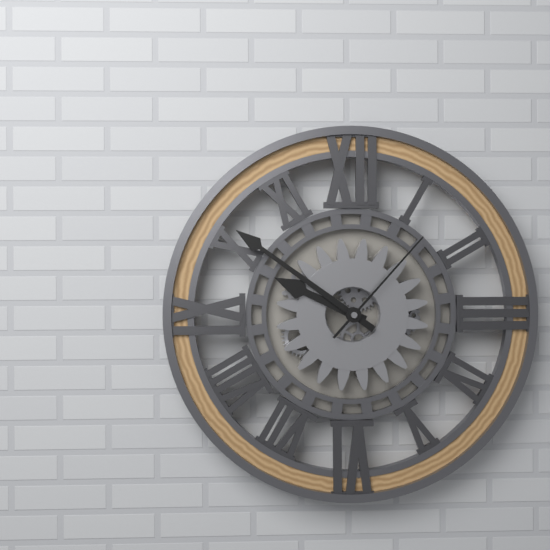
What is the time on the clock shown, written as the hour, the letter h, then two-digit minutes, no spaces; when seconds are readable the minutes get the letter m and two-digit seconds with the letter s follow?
9h51m07s
